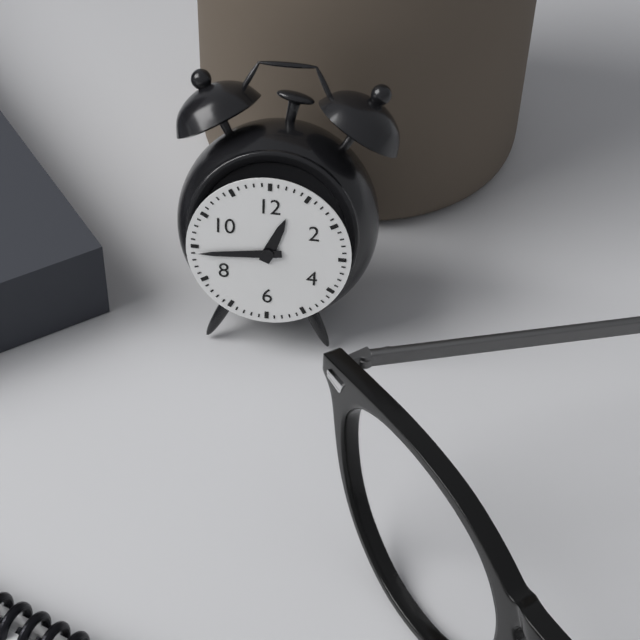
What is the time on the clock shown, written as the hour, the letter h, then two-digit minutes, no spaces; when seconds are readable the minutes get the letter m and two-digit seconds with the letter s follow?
12h44
